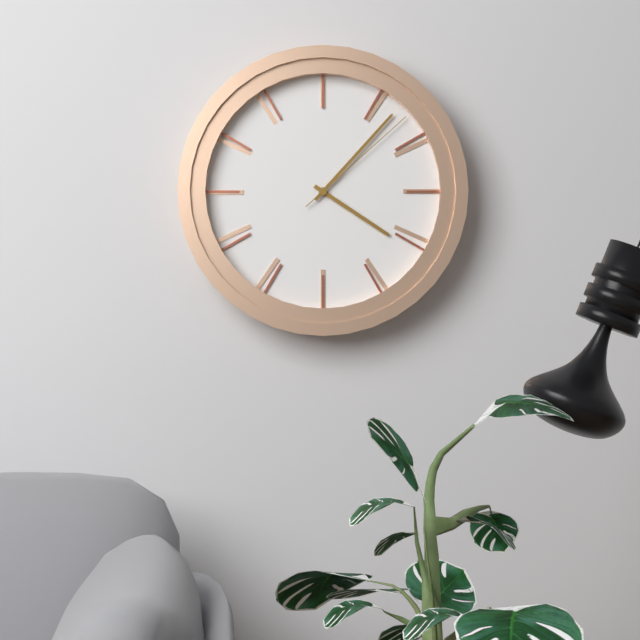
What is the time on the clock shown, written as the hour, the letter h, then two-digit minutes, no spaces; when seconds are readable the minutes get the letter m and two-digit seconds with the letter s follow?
4h07m08s
